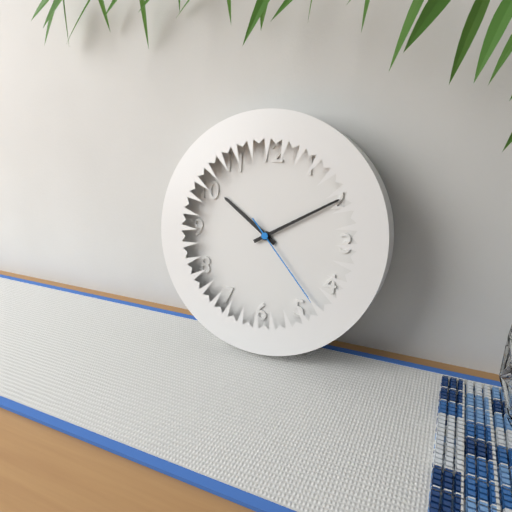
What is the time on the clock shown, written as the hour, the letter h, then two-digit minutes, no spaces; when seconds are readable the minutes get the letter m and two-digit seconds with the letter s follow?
10h10m23s
